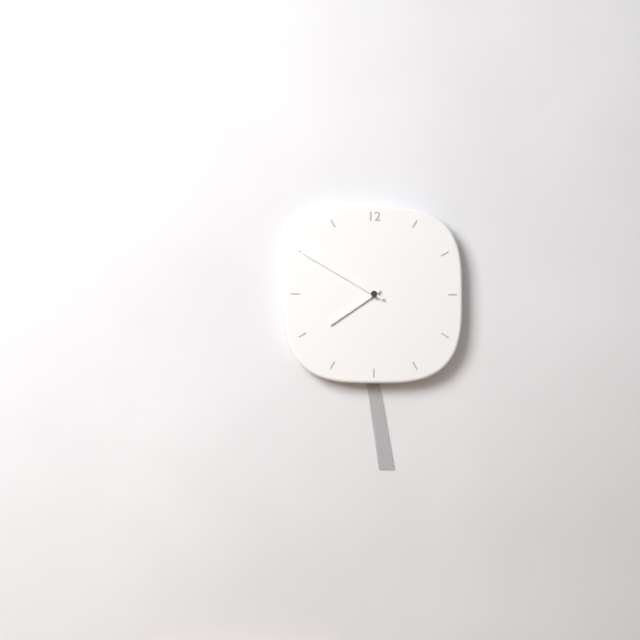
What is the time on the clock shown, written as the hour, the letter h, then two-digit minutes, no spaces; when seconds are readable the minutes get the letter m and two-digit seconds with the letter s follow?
7h50
